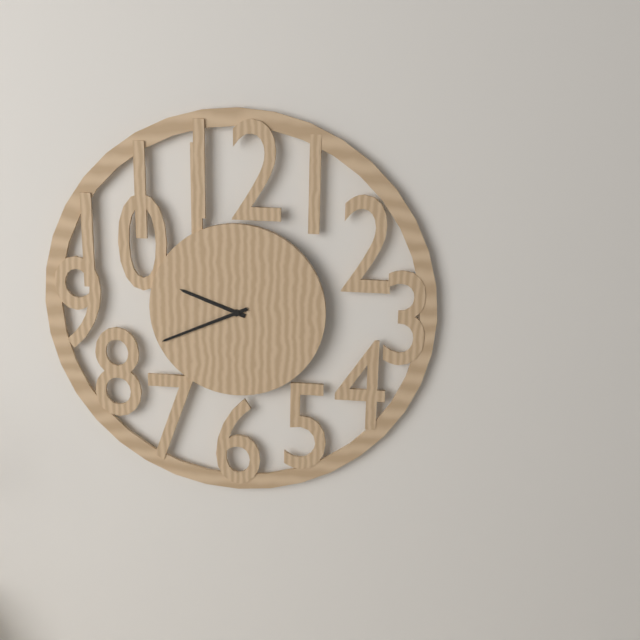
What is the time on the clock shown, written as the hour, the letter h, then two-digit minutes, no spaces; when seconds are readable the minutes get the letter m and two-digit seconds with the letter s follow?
9h41
